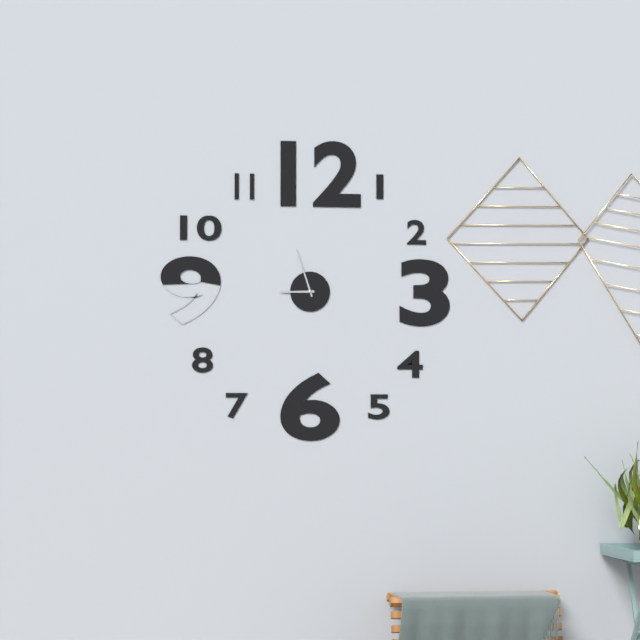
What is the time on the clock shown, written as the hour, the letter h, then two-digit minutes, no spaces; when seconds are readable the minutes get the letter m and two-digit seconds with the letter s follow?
8h57
